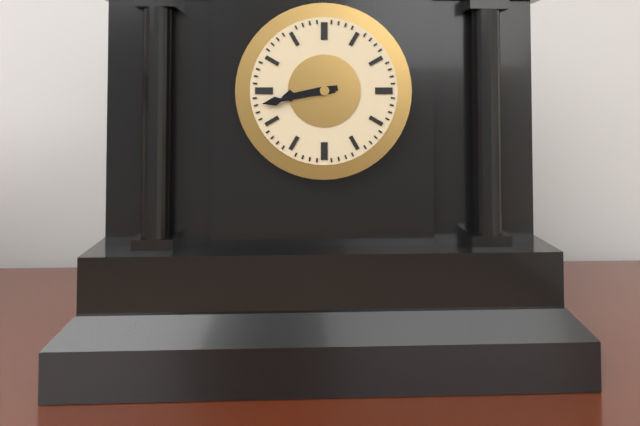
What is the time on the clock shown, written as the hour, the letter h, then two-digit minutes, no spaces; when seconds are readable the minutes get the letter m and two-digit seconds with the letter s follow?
8h43
